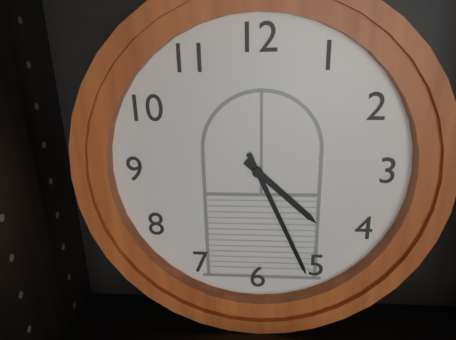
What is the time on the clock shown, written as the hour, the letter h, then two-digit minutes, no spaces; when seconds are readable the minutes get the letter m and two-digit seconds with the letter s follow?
4h26
